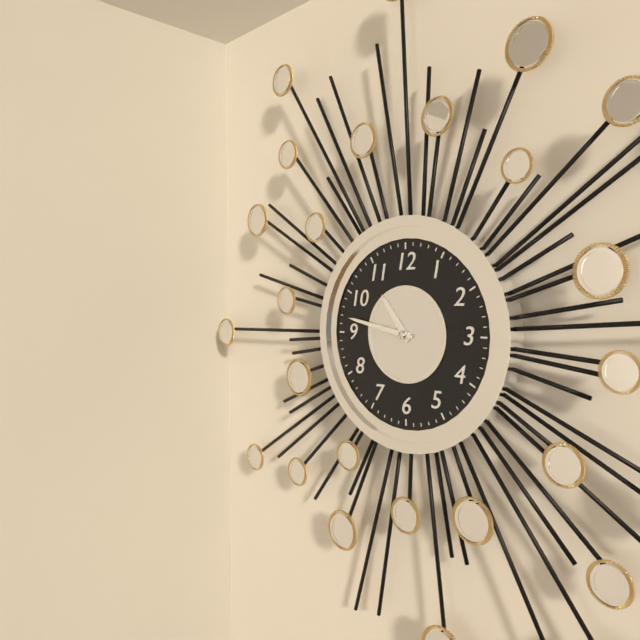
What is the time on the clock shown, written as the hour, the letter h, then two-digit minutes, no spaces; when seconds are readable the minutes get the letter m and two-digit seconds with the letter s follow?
10h47
